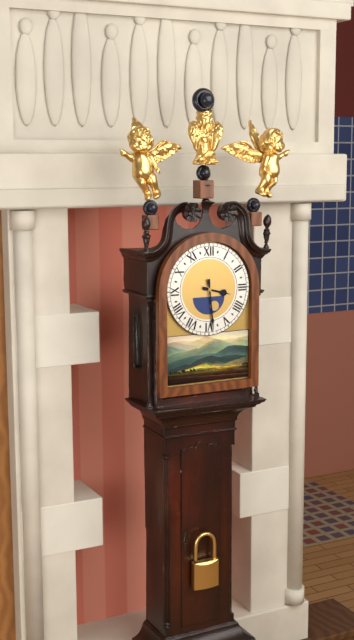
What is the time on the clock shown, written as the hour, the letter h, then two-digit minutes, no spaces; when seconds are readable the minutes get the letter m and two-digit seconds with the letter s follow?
3h29
